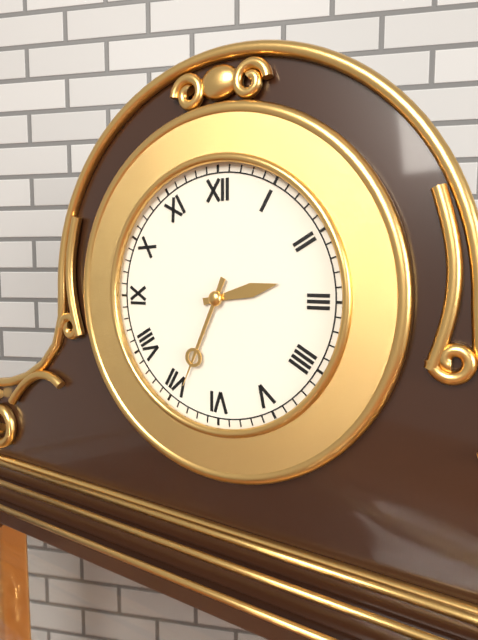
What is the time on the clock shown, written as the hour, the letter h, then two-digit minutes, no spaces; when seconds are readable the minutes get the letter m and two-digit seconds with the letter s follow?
2h34
